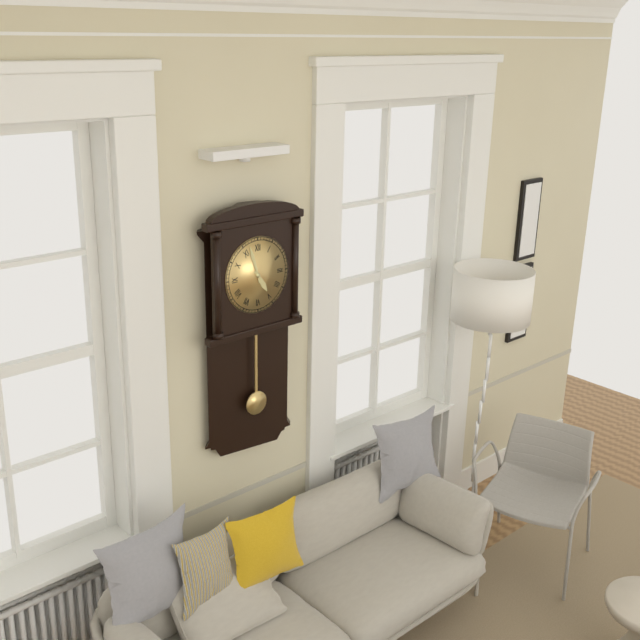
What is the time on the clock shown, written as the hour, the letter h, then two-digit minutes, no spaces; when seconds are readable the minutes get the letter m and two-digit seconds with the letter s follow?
4h57
